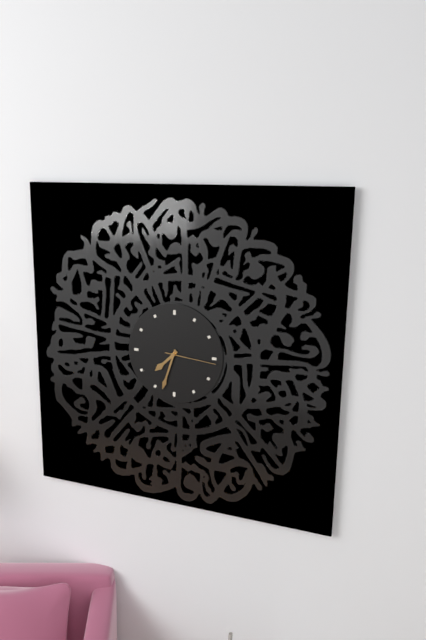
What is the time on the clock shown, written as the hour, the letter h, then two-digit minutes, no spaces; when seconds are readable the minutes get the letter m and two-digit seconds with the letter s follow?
7h33m16s
